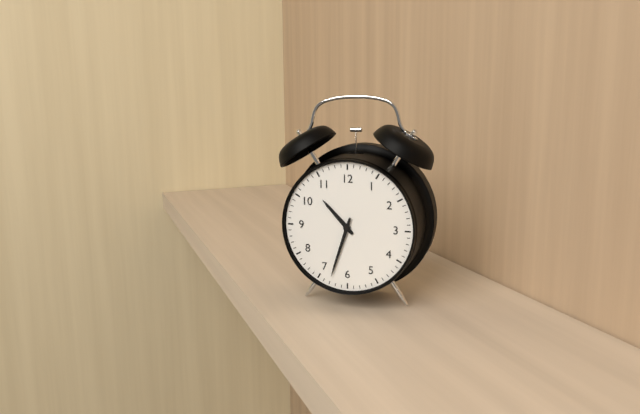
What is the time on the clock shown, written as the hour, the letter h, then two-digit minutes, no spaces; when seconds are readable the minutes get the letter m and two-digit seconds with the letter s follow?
10h33
